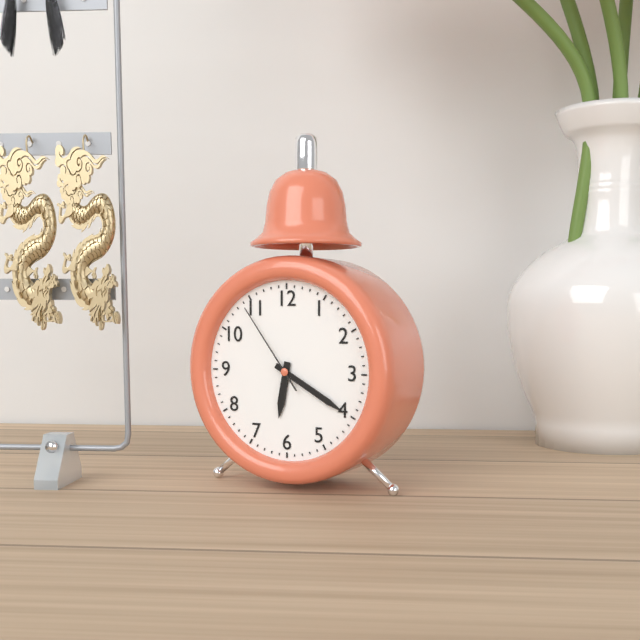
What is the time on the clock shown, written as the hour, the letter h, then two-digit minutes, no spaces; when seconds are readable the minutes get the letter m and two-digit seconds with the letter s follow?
6h20m54s
